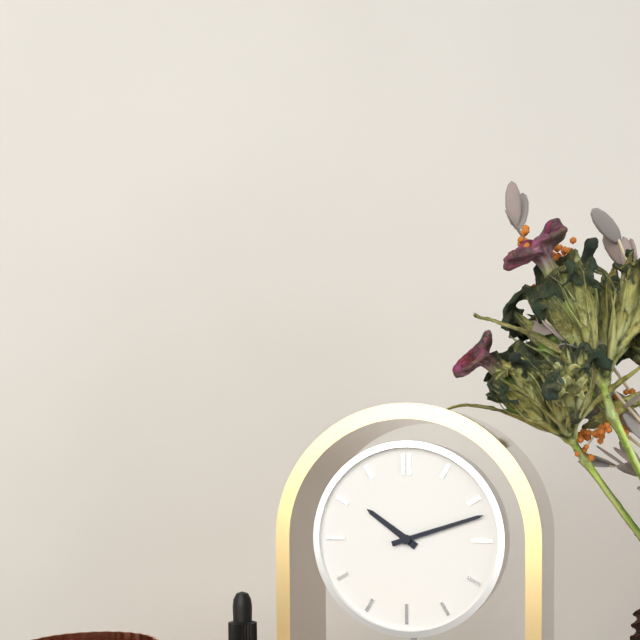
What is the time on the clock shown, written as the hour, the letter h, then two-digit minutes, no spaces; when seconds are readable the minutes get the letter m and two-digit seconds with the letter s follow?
10h12
